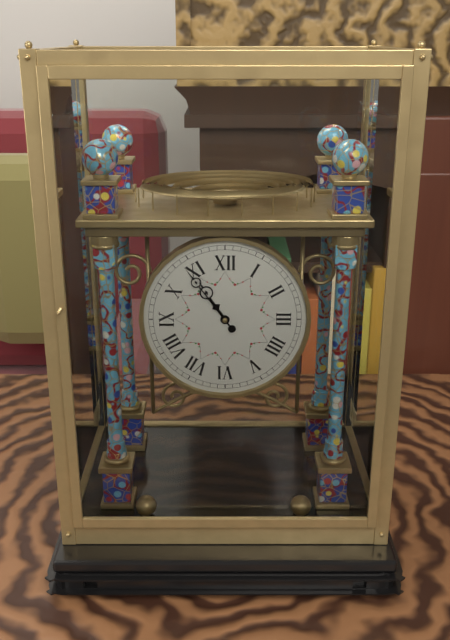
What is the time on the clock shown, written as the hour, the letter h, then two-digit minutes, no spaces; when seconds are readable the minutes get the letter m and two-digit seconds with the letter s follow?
10h54
